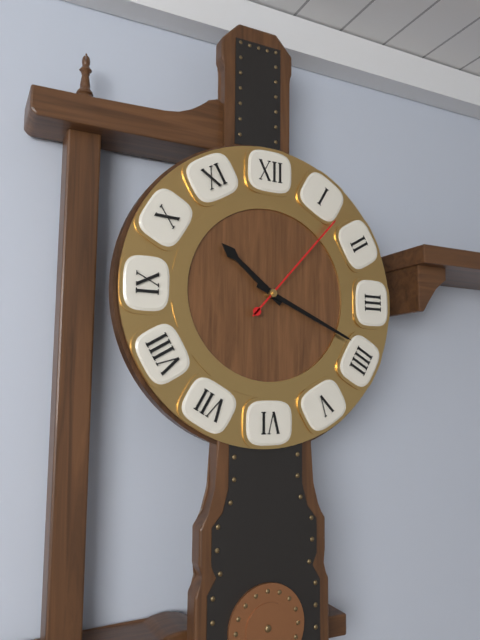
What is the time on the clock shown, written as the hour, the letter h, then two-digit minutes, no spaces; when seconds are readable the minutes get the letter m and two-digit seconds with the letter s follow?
10h19m07s
